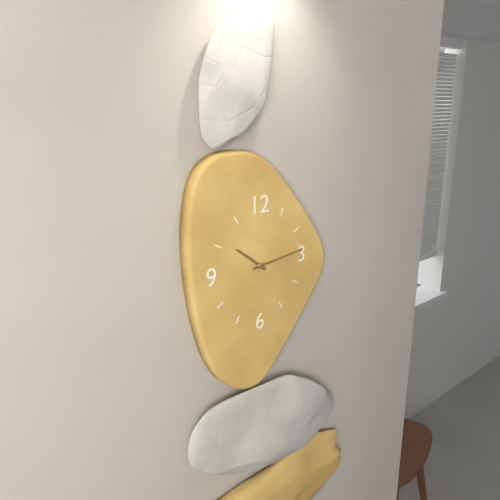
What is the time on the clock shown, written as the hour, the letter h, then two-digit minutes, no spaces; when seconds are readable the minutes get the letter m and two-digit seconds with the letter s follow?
10h14
